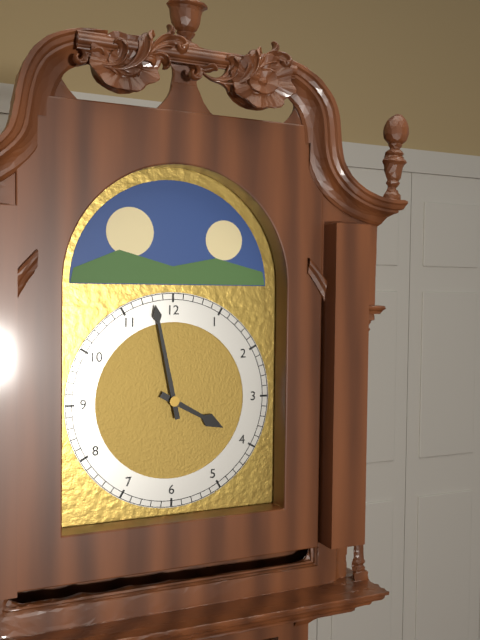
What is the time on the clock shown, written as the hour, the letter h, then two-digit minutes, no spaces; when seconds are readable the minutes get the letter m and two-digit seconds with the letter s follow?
3h58
